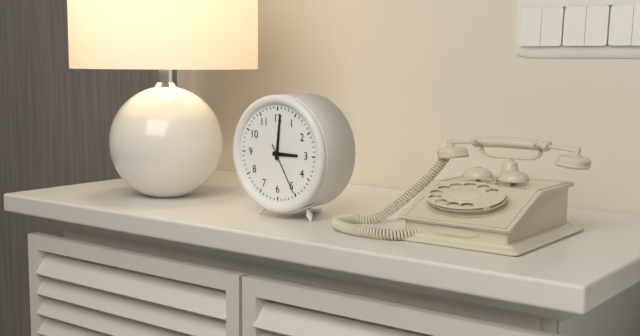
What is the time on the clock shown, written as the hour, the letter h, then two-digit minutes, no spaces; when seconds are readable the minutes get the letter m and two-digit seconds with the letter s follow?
3h01m25s
